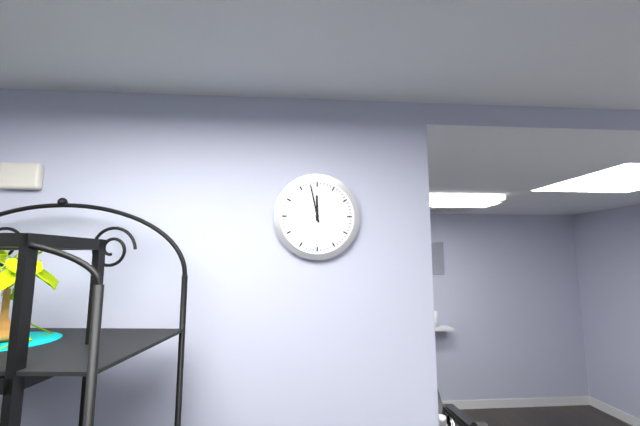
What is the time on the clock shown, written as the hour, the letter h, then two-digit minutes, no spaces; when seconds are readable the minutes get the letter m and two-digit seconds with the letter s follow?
11h58
